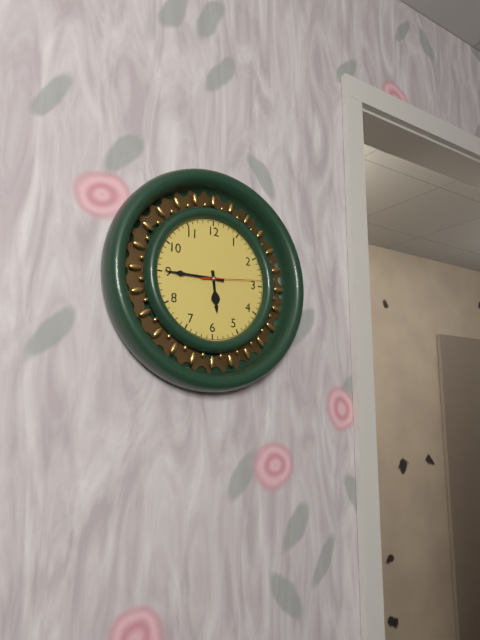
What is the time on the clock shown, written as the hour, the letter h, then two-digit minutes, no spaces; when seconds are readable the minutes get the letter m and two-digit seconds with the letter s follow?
5h45m14s
